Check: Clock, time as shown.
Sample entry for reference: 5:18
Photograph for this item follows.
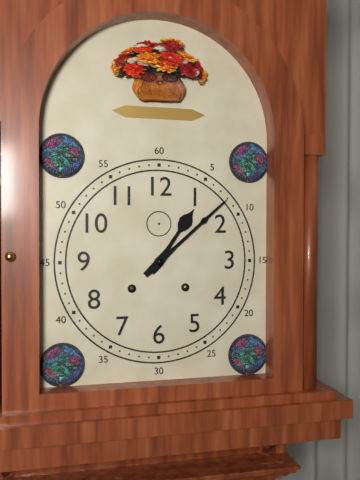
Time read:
1:08
